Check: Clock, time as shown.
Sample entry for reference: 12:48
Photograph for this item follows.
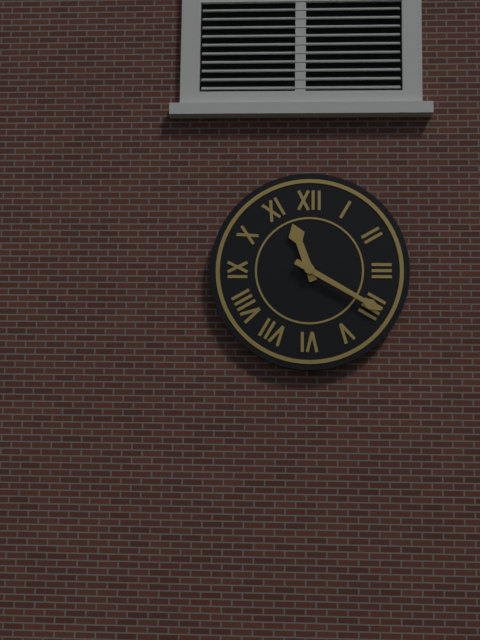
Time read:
11:20
